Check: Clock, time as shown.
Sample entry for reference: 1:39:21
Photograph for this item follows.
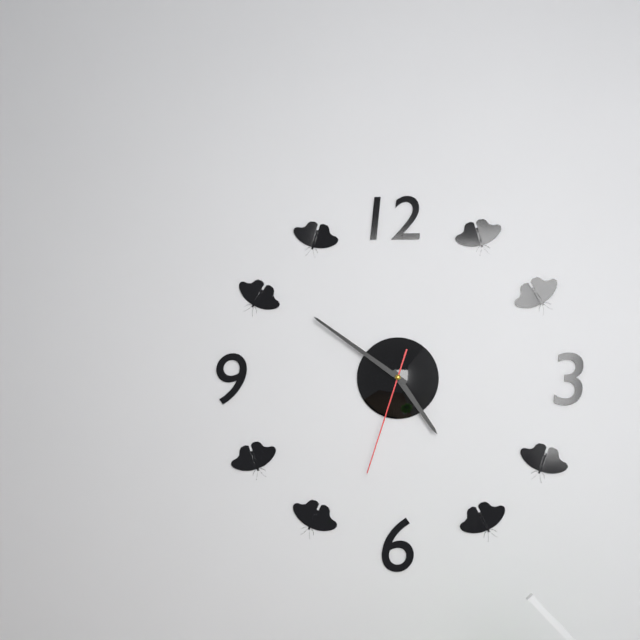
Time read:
4:51:33
